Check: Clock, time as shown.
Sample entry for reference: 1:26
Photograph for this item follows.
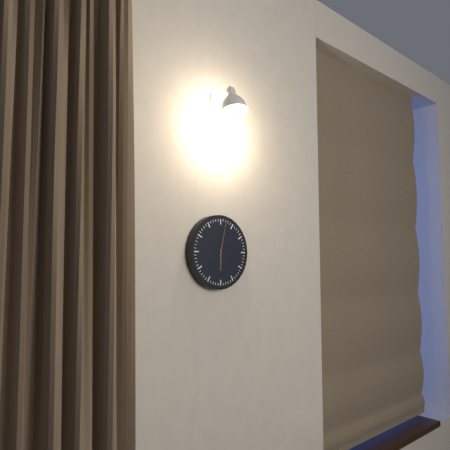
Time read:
6:02
